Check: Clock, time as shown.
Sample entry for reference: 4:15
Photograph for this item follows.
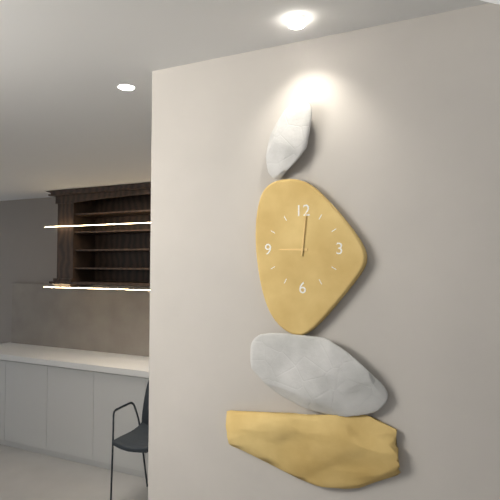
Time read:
9:01
